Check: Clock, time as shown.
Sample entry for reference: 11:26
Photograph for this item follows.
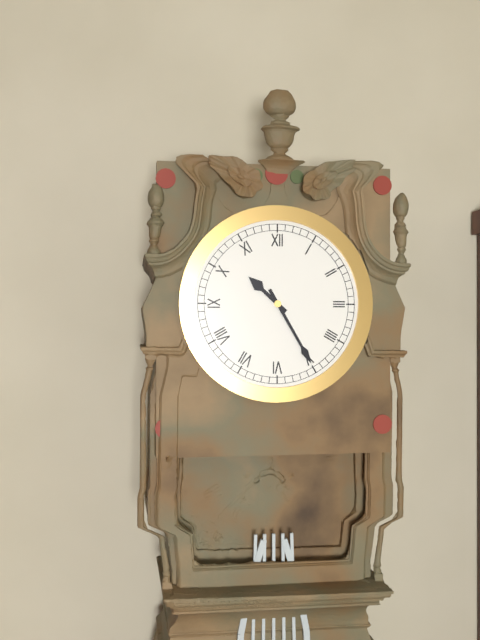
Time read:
10:25
